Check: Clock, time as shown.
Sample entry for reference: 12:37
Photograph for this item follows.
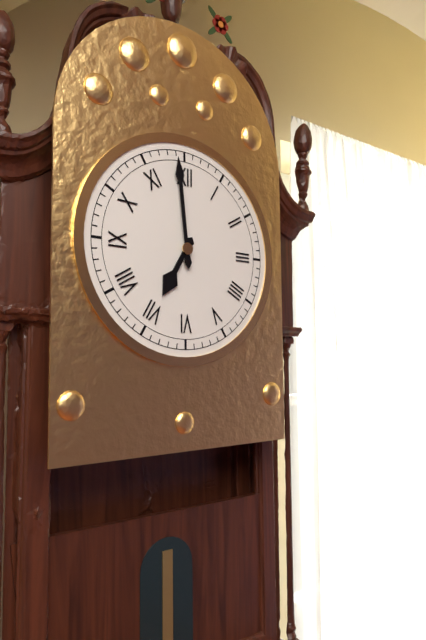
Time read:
6:59
